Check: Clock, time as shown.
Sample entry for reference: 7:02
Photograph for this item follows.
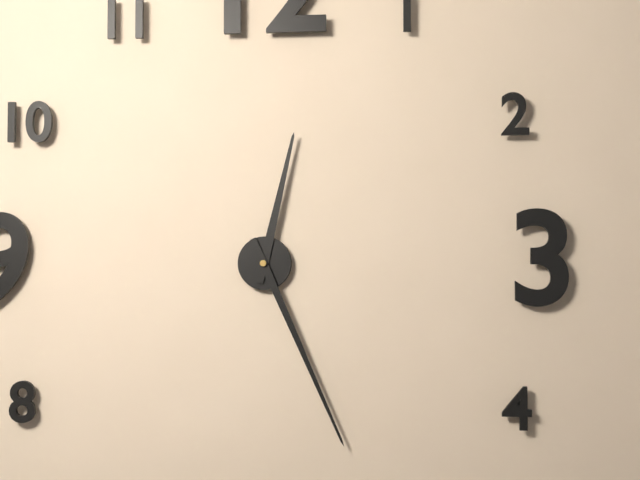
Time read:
12:26
